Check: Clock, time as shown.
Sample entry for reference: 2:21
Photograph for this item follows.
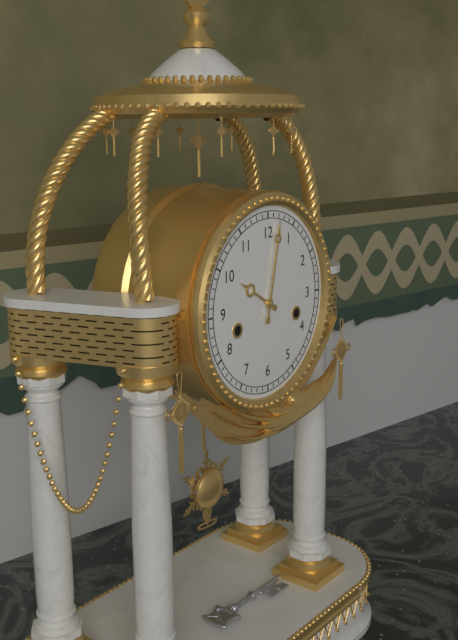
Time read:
10:02
